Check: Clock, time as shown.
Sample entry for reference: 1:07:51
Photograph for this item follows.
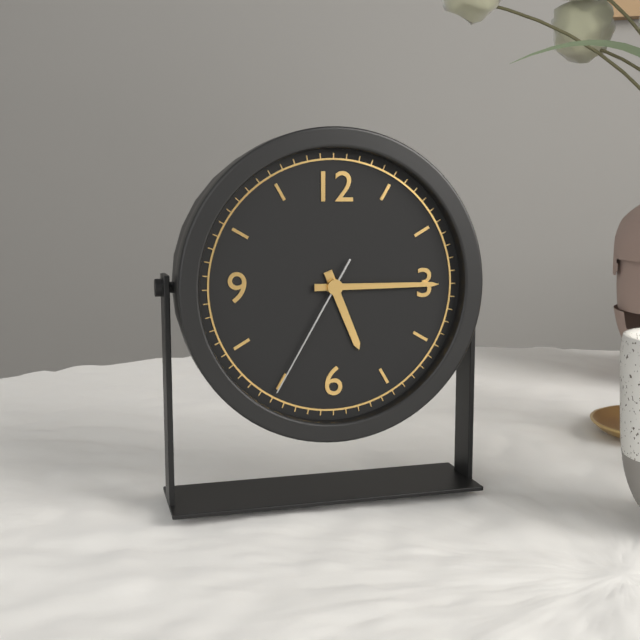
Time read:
5:15:35
